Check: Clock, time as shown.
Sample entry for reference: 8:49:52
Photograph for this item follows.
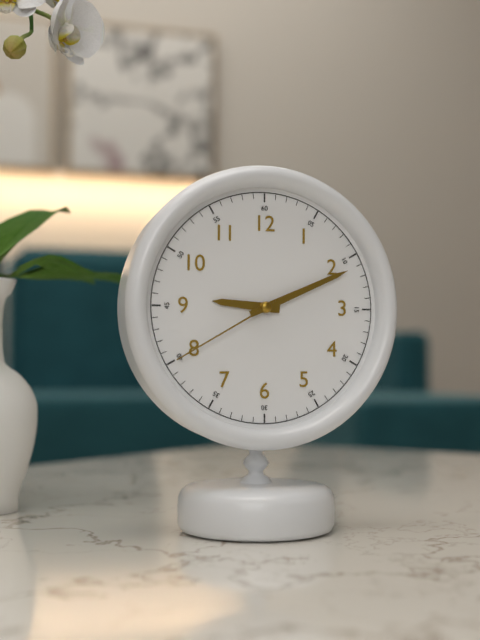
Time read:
9:11:40
